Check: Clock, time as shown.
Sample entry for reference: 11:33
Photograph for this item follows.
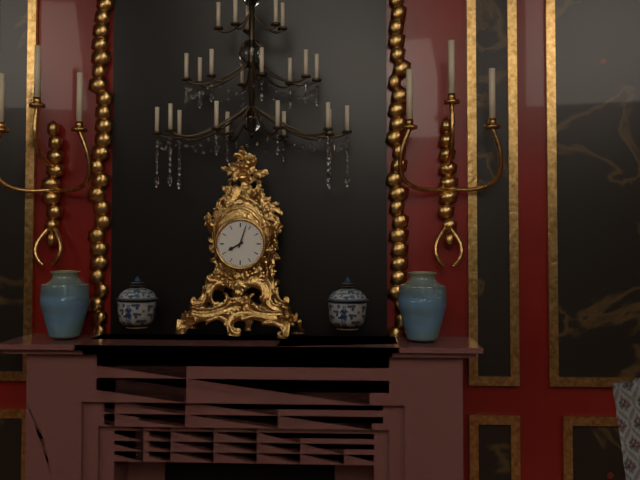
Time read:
8:03
